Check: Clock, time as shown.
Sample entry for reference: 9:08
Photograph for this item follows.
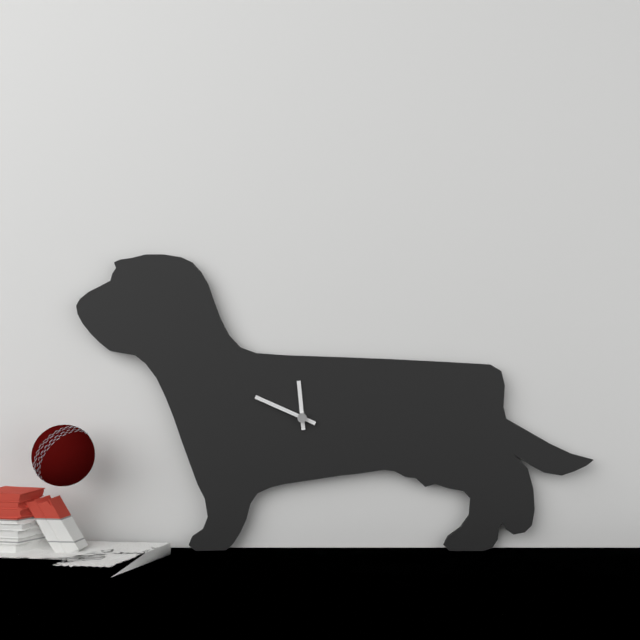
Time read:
11:49
